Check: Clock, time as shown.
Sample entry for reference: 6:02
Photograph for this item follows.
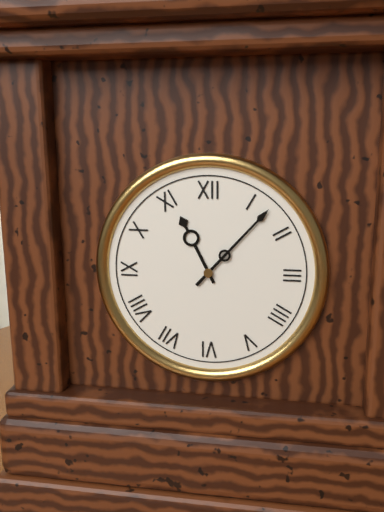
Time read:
11:07
